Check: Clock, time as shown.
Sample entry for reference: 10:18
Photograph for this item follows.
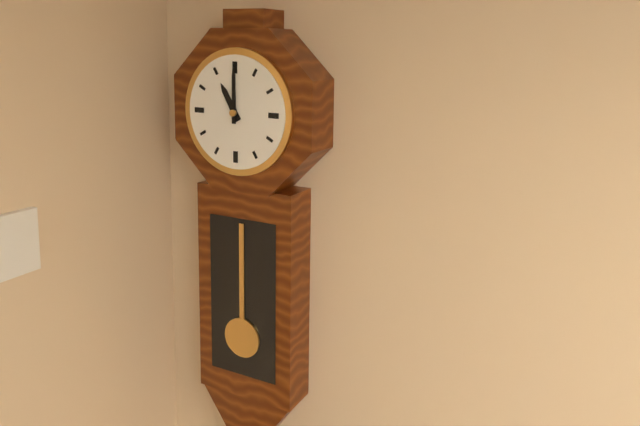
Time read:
11:00
